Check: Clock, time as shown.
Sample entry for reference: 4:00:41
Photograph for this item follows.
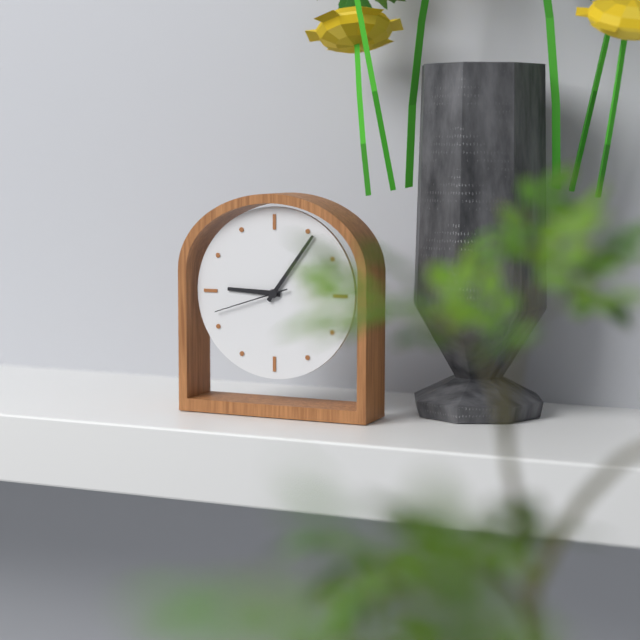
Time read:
9:06:42
